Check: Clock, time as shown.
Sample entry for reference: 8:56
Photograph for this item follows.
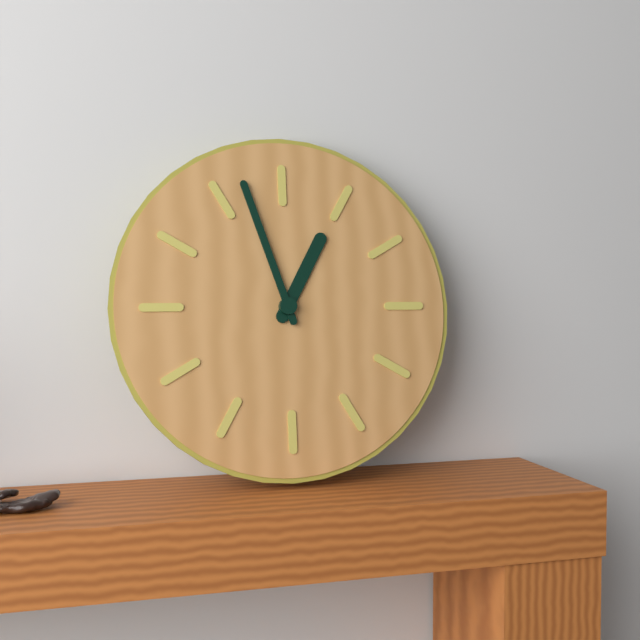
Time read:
12:57
